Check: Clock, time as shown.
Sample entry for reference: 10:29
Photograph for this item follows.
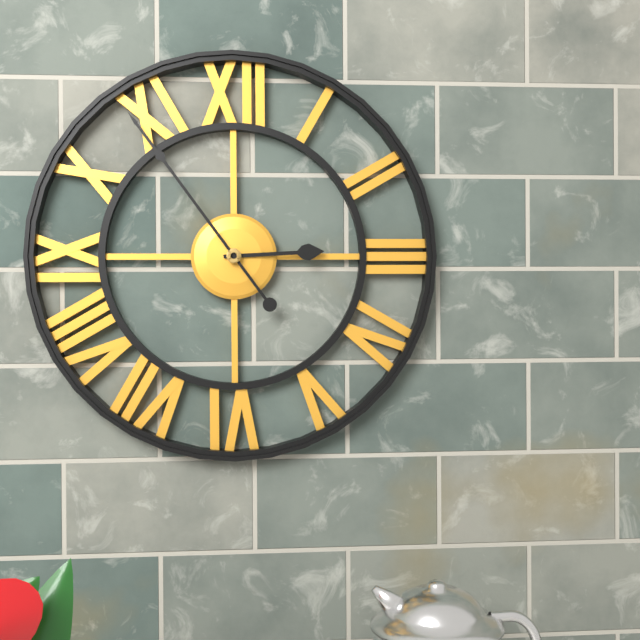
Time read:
2:54
